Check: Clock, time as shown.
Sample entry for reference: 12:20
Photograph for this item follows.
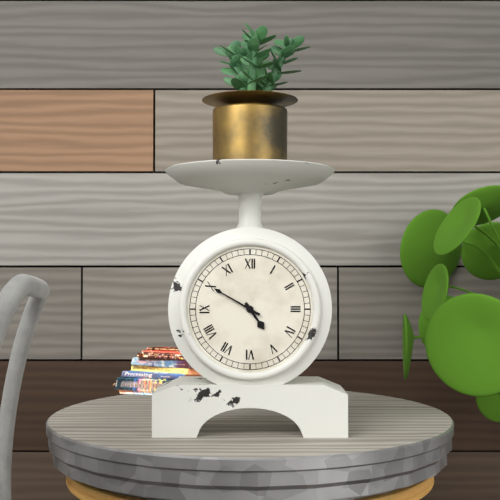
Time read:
4:50
